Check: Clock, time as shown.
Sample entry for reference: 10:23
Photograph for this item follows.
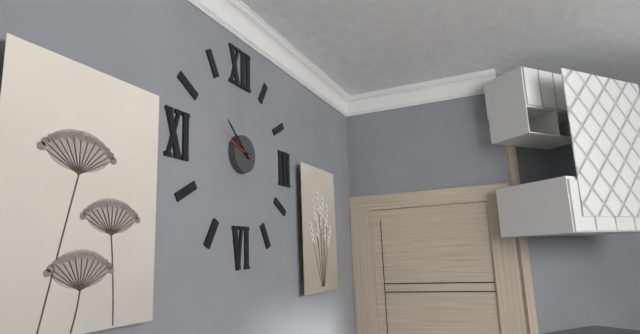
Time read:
9:52
